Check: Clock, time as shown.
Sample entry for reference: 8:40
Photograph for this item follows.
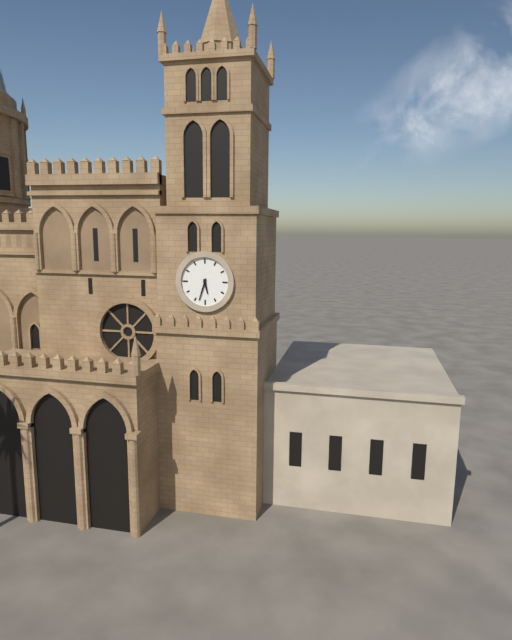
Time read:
5:33
